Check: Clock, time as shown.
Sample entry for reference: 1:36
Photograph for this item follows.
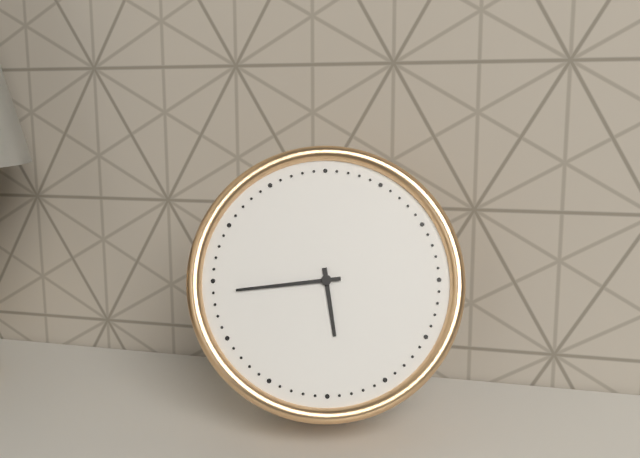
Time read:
5:44
